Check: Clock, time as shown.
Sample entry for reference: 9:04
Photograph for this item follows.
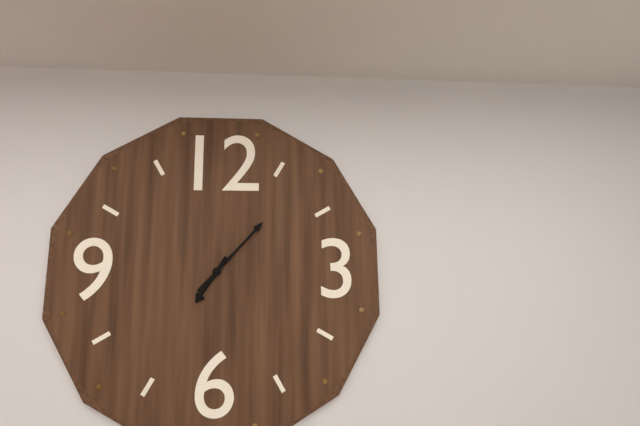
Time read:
7:07
